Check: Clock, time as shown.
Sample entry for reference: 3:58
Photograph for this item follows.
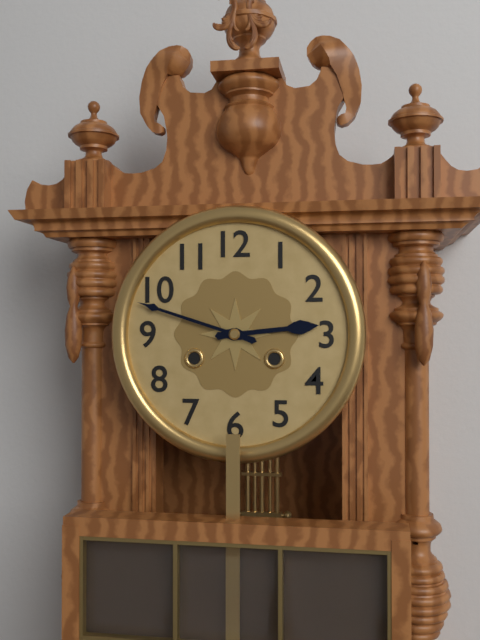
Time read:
2:48
